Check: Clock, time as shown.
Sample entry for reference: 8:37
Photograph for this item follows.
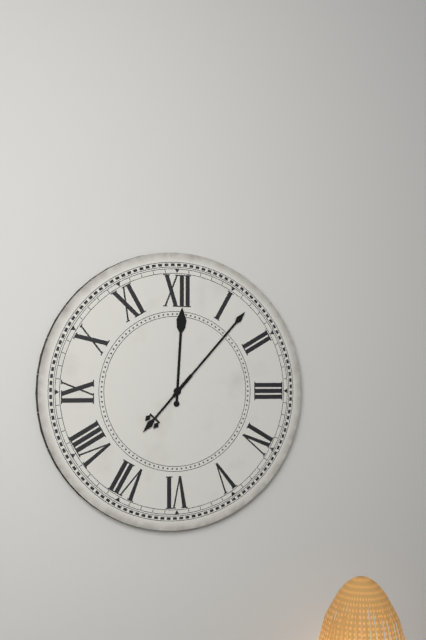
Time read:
12:07
